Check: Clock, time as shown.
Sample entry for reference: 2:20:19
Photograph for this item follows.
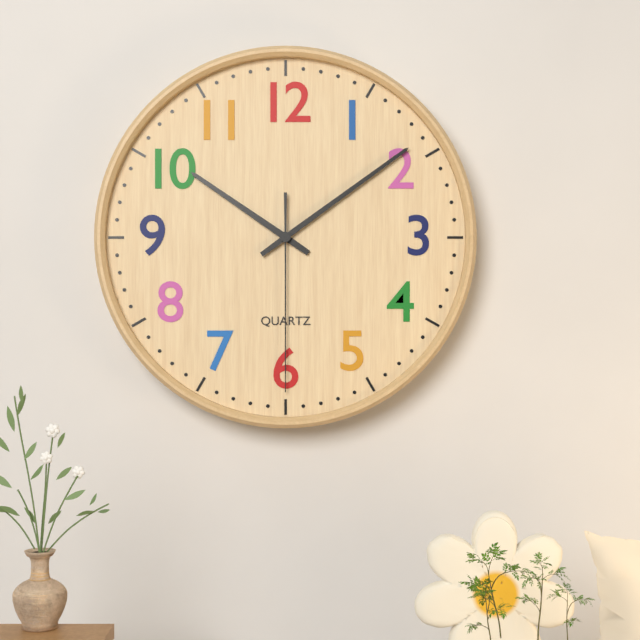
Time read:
10:09:30
